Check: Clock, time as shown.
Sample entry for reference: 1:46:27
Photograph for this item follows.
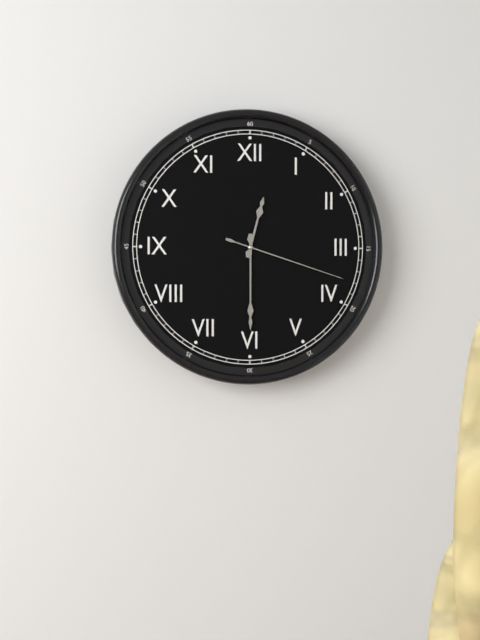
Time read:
12:30:18
